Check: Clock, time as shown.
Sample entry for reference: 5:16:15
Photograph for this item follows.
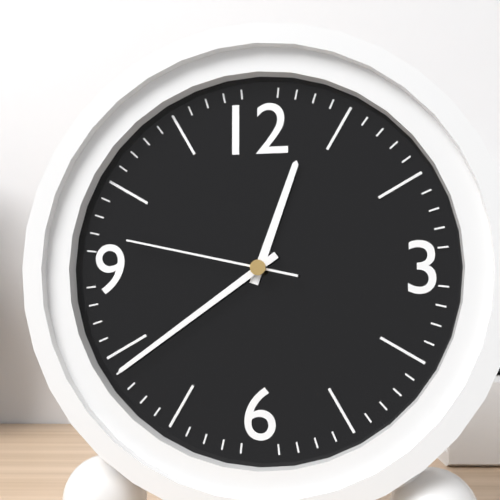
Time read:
12:39:47
